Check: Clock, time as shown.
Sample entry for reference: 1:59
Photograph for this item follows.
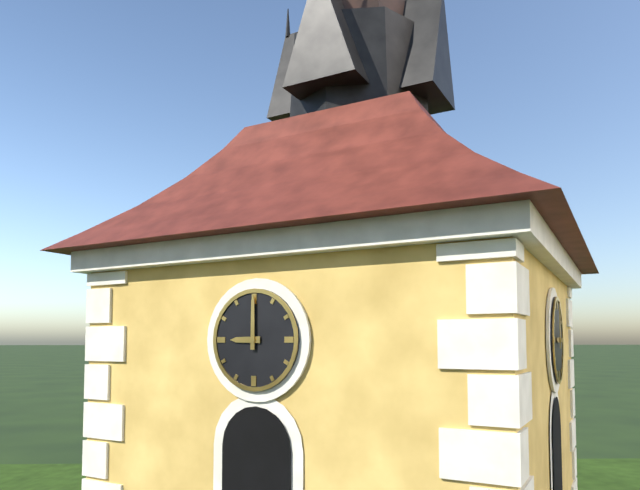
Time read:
9:00
